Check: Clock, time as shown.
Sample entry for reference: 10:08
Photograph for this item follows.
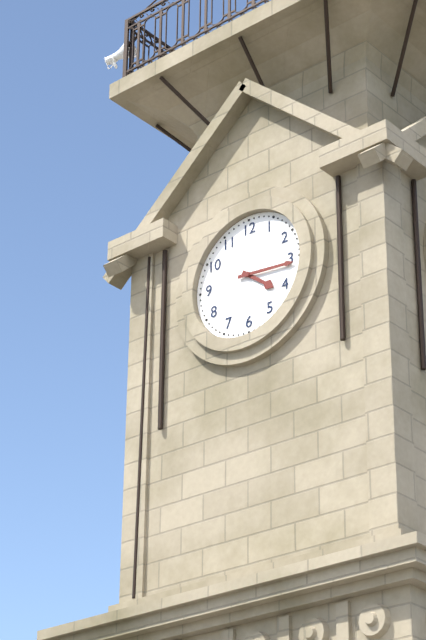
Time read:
4:16
